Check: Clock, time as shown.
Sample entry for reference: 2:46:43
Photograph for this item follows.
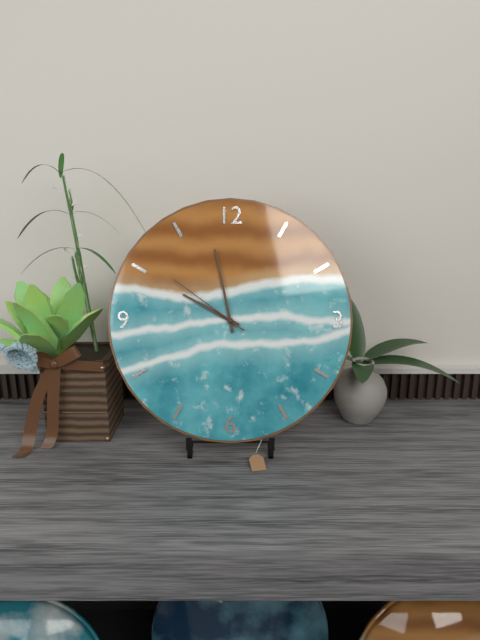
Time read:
9:58:51
